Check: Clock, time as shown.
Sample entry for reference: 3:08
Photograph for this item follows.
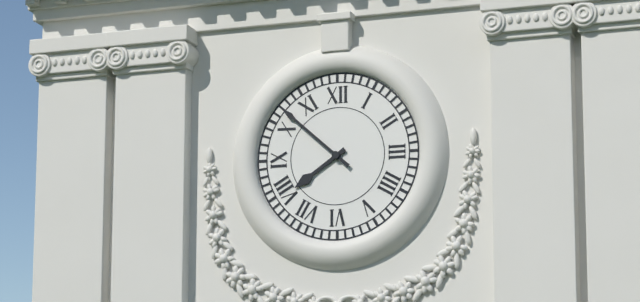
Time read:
7:52
